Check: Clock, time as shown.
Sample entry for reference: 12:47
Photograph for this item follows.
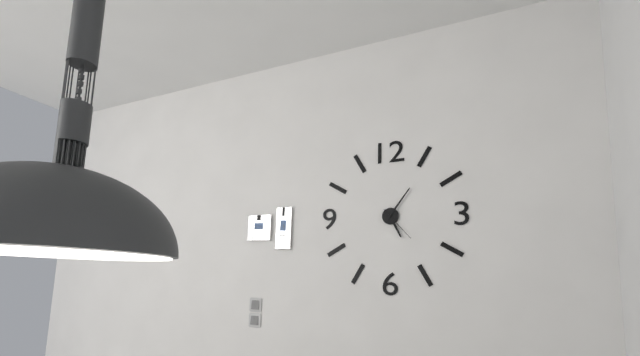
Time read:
5:06
